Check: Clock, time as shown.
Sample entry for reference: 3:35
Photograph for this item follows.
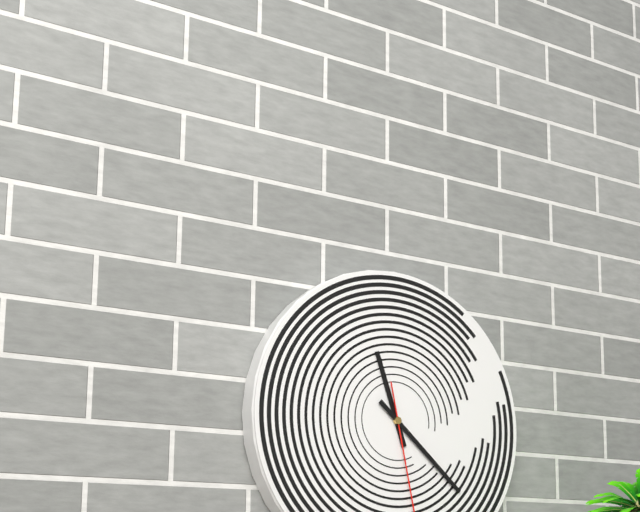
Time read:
11:22
